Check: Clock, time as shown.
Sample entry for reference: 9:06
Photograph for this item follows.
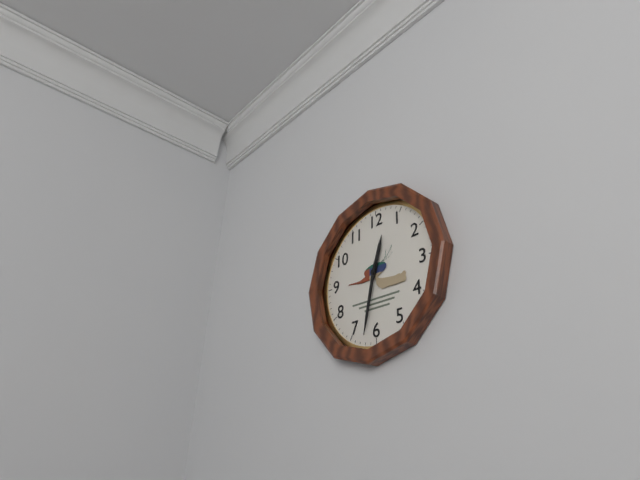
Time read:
12:32
